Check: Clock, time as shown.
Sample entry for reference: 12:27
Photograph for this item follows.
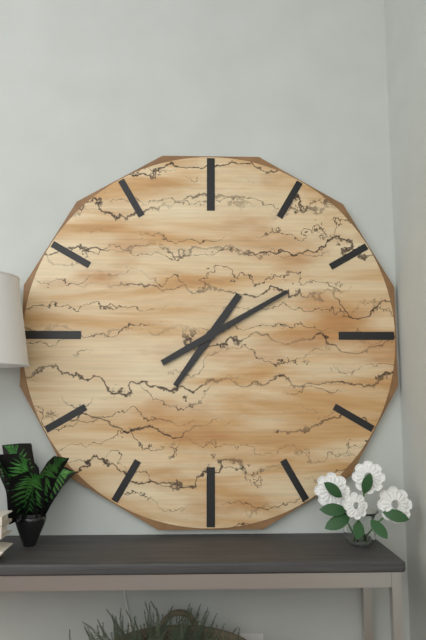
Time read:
7:10
